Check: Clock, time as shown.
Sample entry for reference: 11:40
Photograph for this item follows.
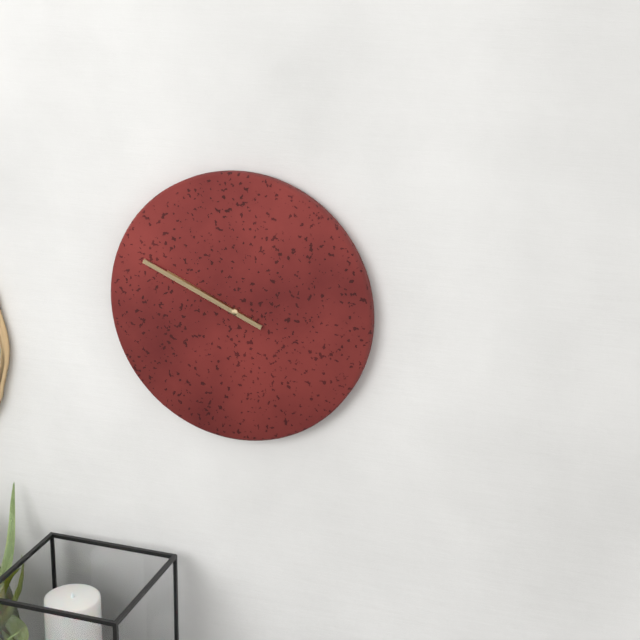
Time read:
9:49
